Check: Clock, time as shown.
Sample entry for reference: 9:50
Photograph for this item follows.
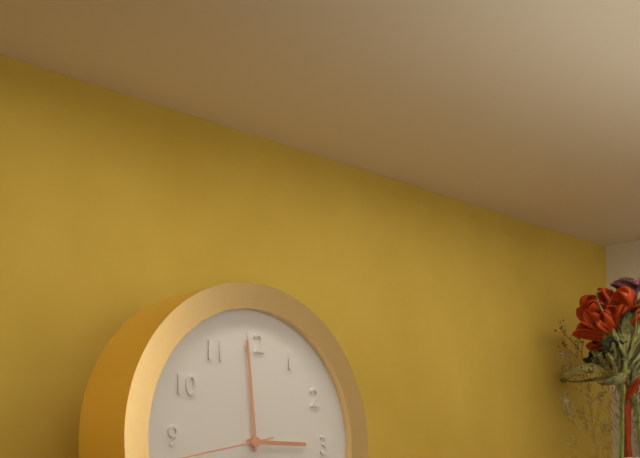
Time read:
2:59
